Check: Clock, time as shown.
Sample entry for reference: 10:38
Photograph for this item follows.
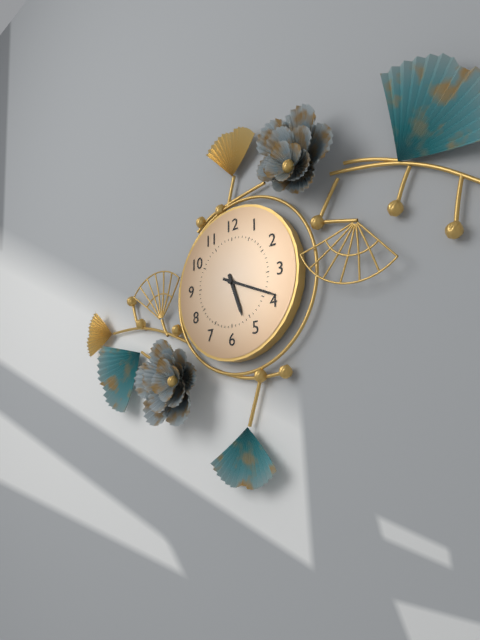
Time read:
5:19
